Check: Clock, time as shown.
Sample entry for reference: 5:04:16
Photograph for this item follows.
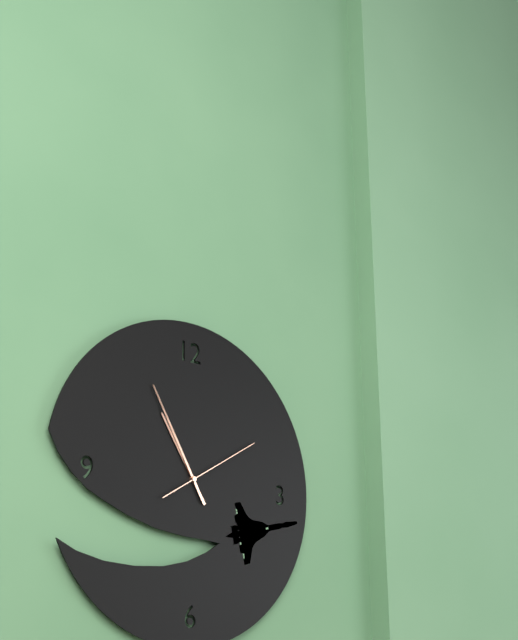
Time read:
10:55:10
